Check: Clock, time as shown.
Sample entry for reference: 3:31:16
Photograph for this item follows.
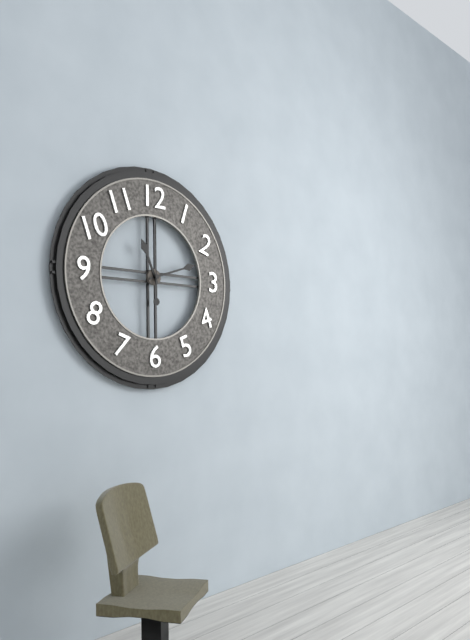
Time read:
11:12:00
